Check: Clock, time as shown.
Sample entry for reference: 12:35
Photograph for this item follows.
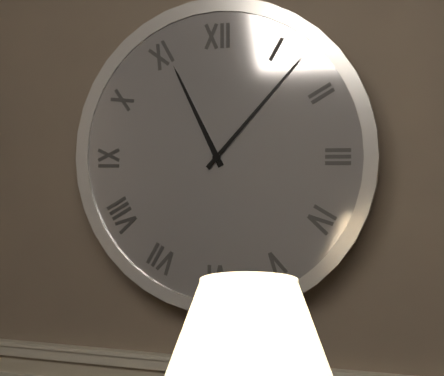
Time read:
11:07
